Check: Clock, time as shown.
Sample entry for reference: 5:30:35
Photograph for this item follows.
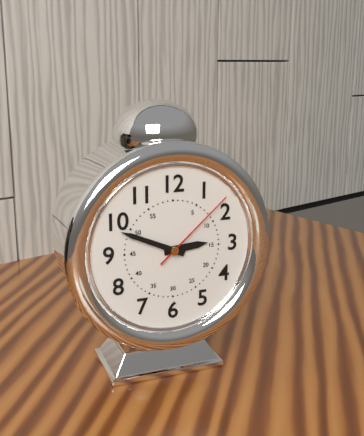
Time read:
2:49:08
